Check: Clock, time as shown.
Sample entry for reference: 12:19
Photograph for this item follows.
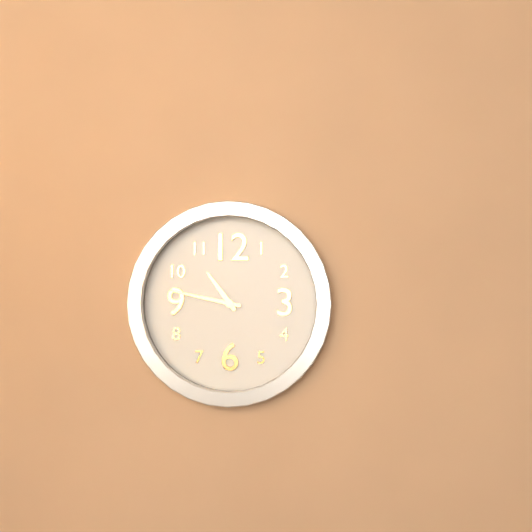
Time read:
10:47
